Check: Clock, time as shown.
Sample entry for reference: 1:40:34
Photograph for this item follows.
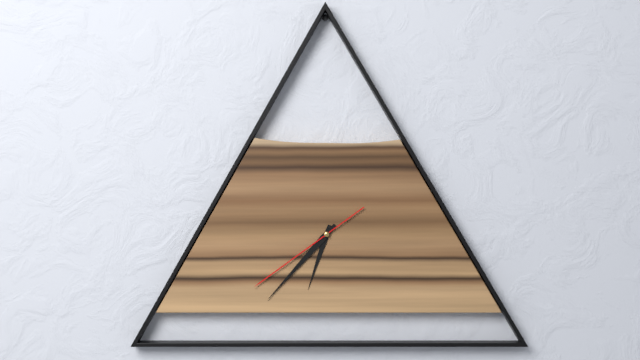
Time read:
6:37:39
